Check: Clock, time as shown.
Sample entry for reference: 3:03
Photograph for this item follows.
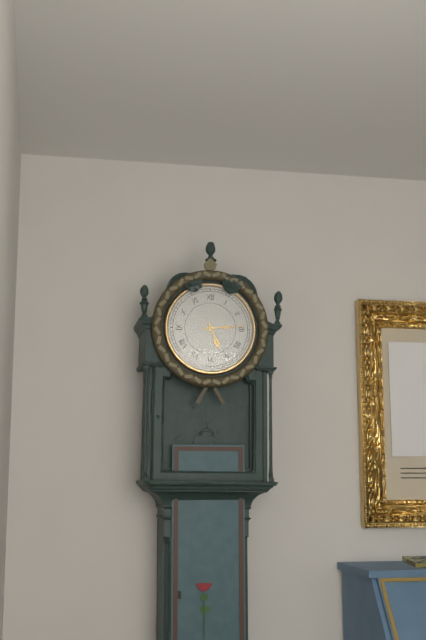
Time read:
5:14
